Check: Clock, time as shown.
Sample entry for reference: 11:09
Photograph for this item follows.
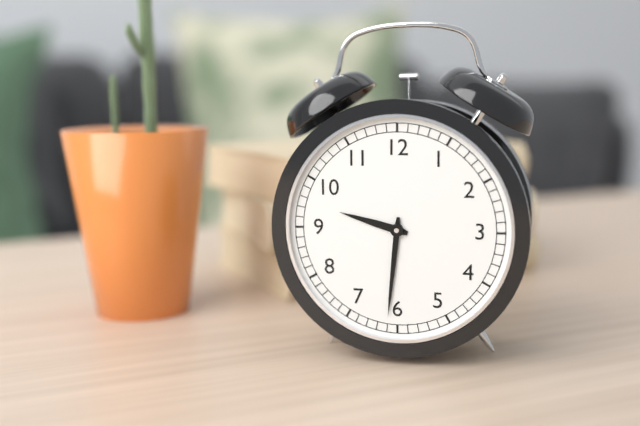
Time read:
9:31
